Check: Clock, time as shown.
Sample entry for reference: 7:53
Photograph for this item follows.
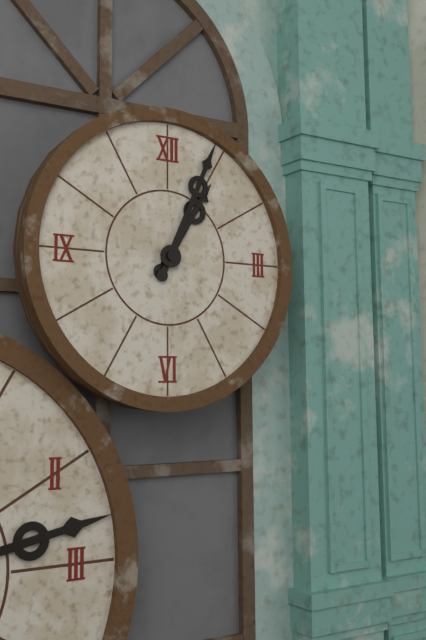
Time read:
1:04
